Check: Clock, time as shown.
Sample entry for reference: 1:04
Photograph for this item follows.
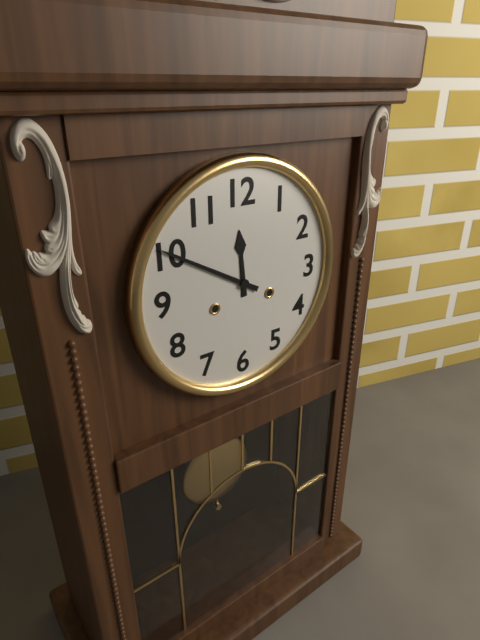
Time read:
11:50
